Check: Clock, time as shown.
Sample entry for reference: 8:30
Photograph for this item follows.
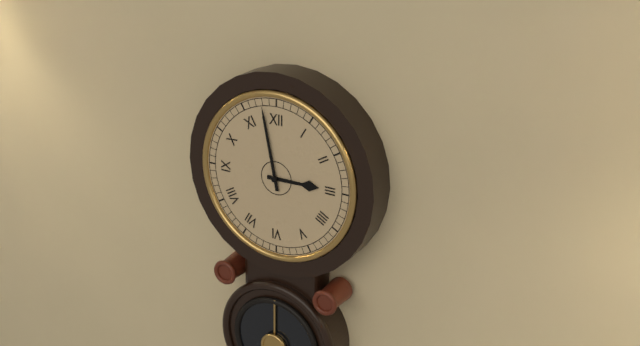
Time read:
2:58
